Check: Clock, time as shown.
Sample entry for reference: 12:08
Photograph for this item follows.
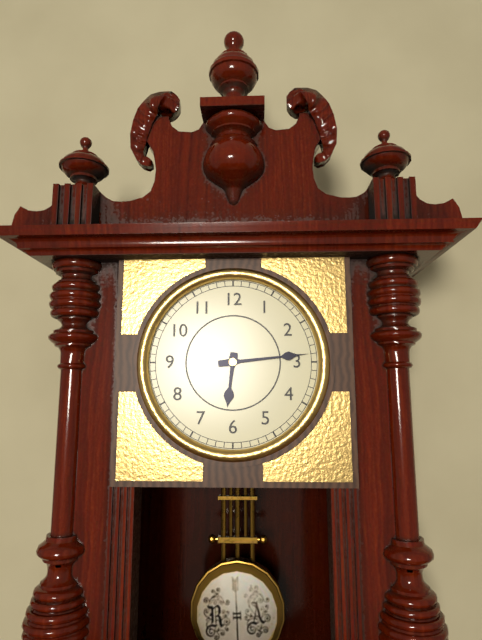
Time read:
6:14
